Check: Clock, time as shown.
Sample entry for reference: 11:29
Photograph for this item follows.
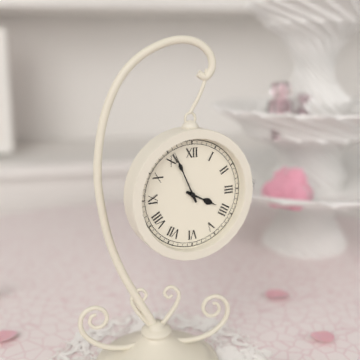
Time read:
3:56
